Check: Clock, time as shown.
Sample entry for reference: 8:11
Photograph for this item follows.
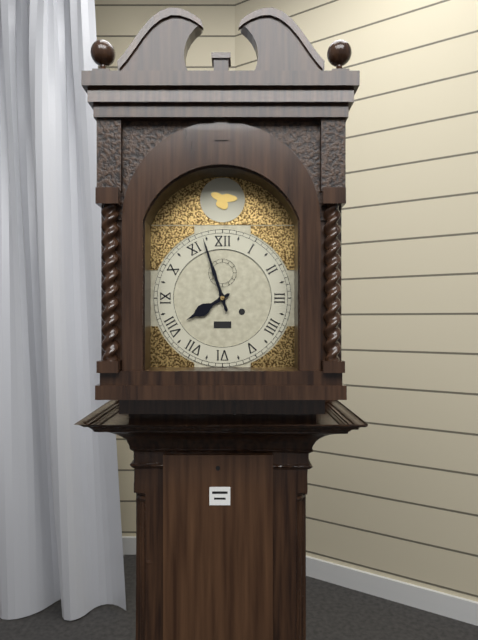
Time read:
7:57
